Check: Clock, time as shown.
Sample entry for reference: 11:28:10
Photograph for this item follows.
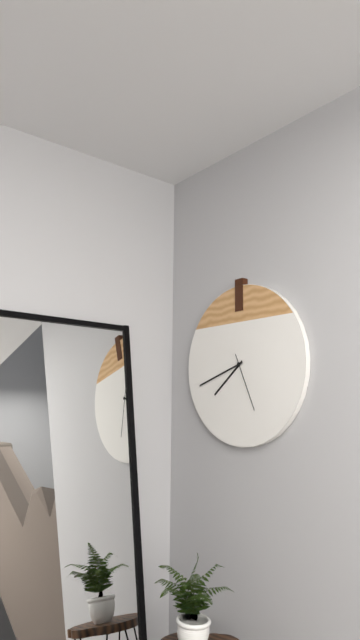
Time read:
7:42:26
